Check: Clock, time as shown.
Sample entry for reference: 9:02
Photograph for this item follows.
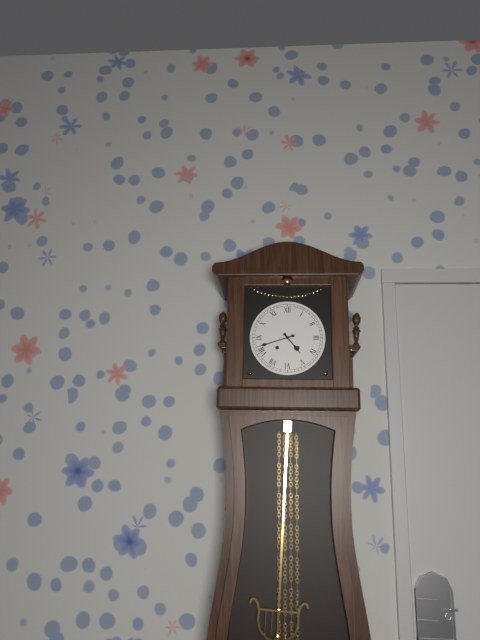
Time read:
4:42
